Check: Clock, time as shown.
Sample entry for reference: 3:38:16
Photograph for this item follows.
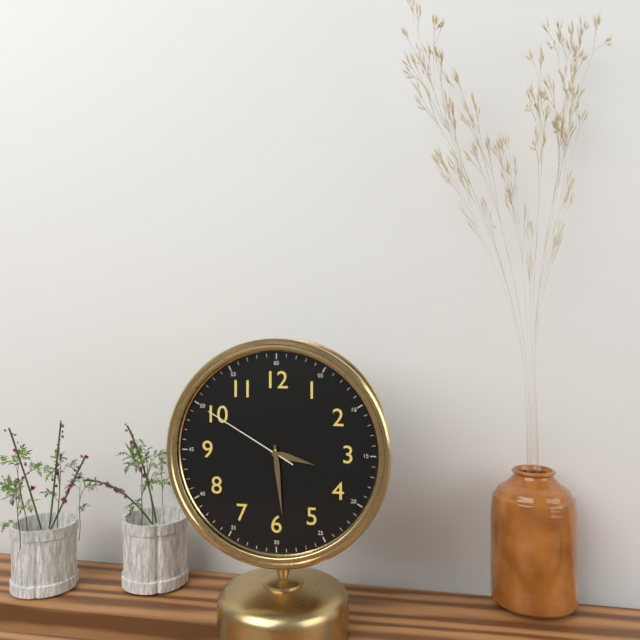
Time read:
3:29:50
